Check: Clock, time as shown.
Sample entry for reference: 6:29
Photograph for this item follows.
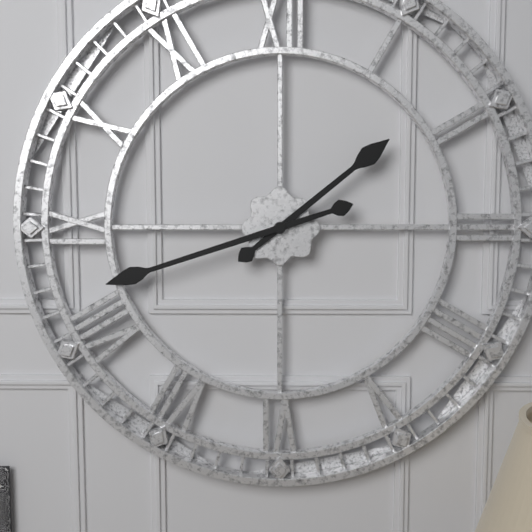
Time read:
1:42
